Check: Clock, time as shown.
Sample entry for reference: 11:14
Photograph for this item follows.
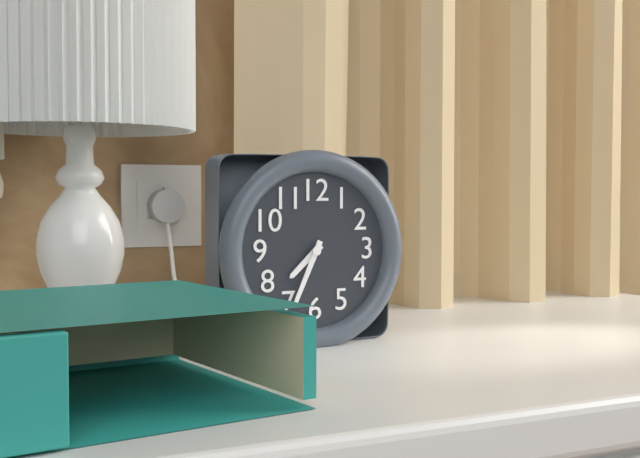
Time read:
7:34
